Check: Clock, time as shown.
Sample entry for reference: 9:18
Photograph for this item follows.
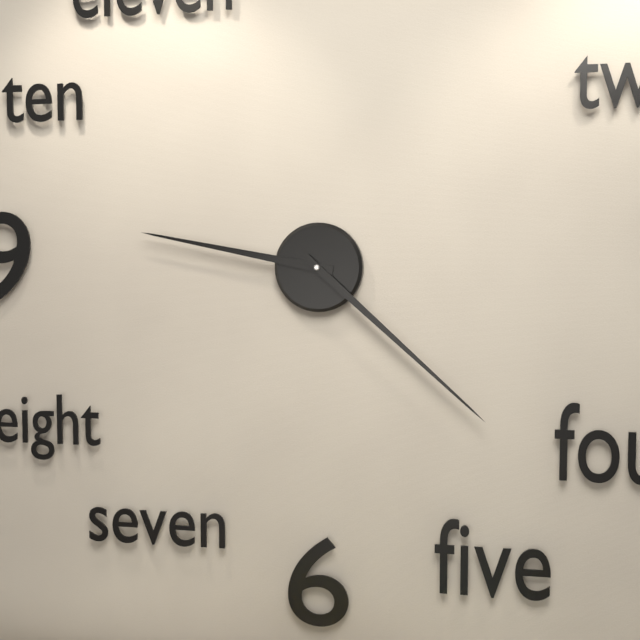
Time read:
9:22
